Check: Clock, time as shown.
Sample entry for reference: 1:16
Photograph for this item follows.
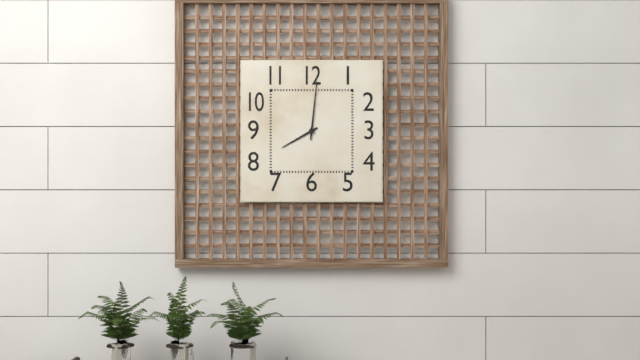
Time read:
8:01
